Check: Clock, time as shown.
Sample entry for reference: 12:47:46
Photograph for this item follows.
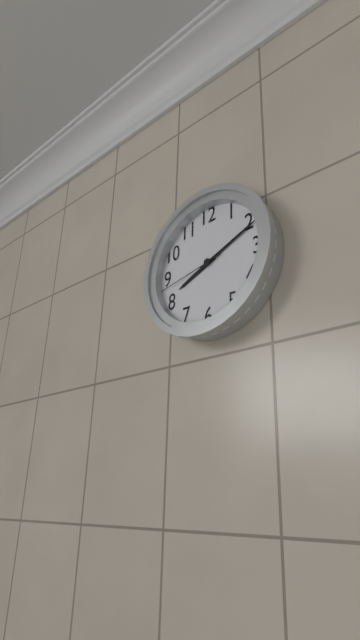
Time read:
8:11:43
